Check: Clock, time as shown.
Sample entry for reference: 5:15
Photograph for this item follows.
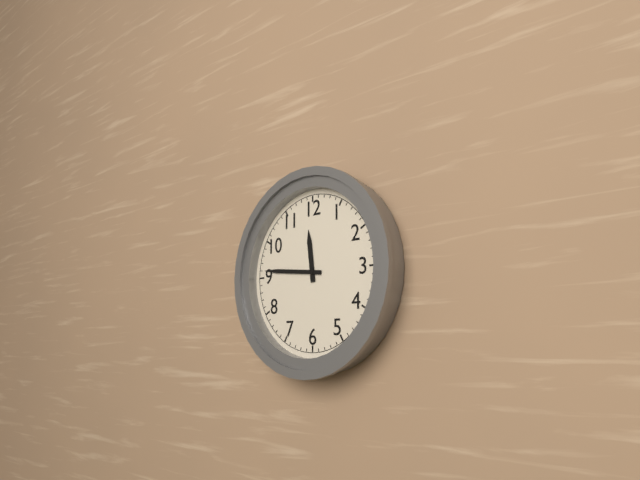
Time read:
11:46
